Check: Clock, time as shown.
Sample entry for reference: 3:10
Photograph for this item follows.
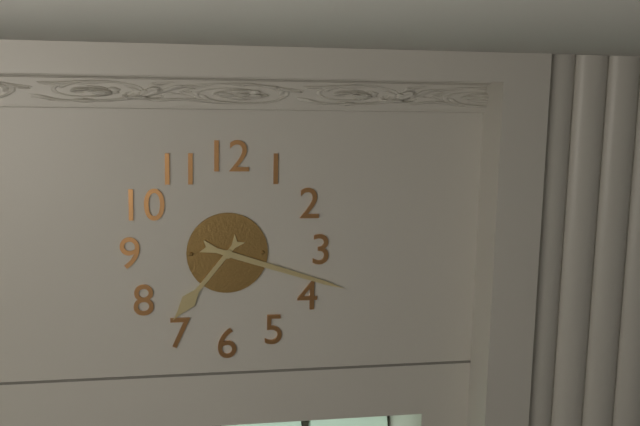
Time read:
7:18
